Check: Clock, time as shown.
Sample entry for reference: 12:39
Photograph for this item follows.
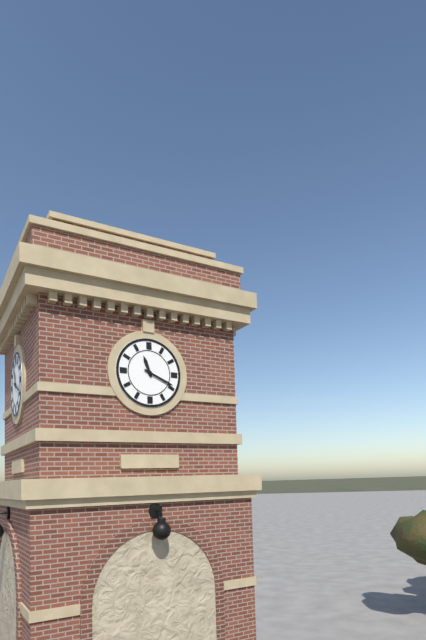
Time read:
11:19
